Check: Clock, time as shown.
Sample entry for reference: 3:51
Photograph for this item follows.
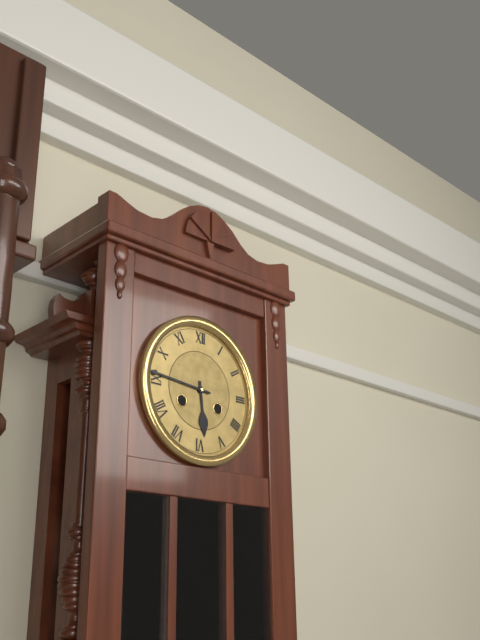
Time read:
5:46
